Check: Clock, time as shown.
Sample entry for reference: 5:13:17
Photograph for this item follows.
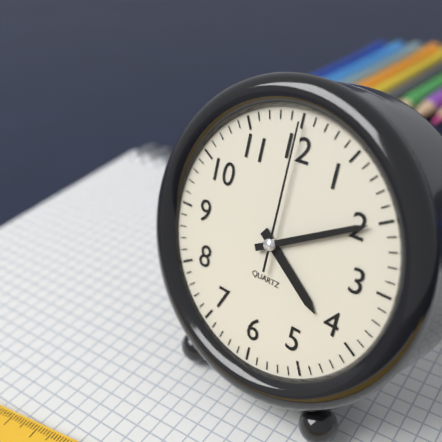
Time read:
4:10:00
